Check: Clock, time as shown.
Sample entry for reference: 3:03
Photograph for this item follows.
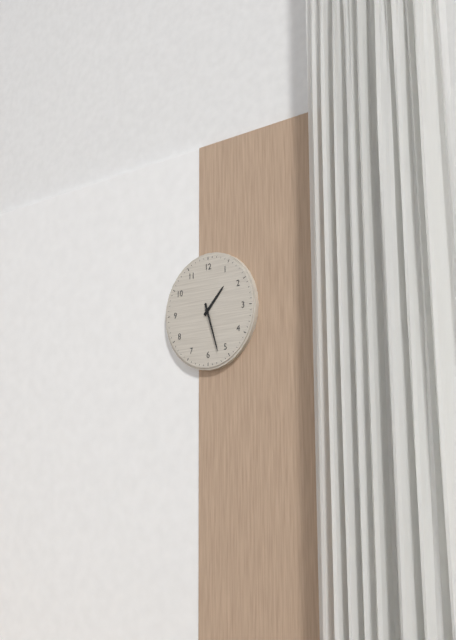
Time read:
1:27
